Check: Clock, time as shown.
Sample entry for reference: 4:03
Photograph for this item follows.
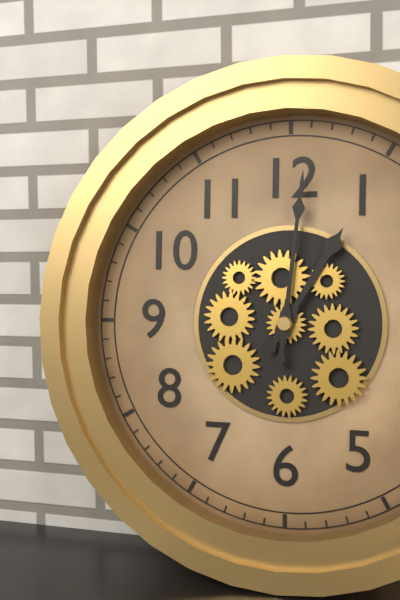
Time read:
1:01
